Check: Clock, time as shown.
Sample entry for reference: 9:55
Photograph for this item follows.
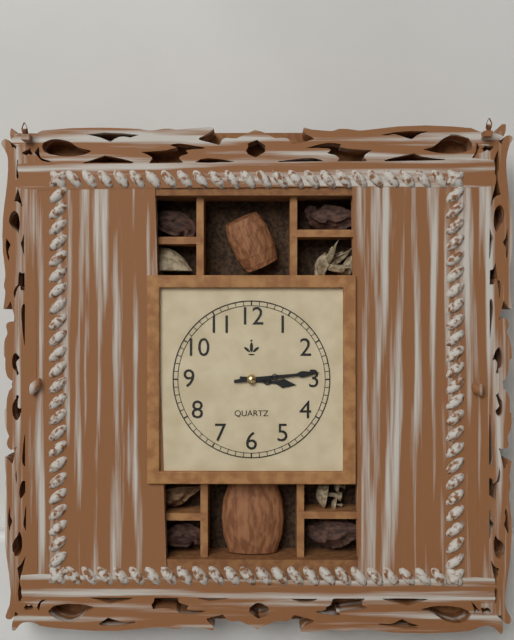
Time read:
3:14
